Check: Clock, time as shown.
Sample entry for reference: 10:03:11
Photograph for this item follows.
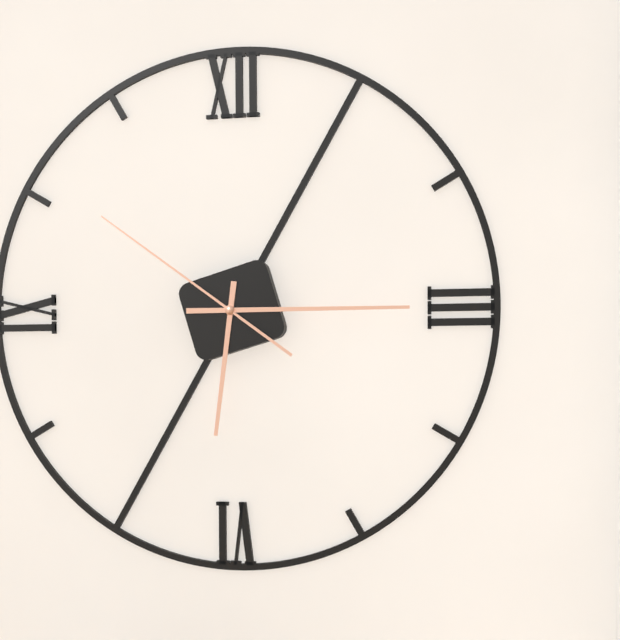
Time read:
6:15:51
